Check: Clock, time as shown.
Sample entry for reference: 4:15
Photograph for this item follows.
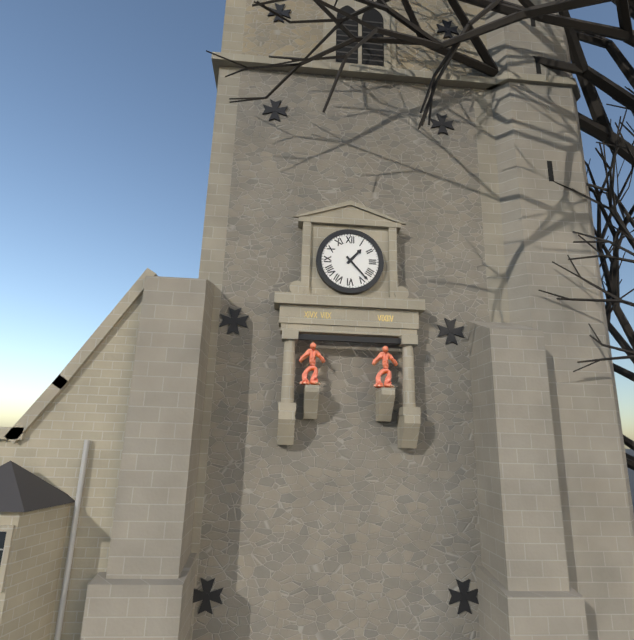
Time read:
1:23
